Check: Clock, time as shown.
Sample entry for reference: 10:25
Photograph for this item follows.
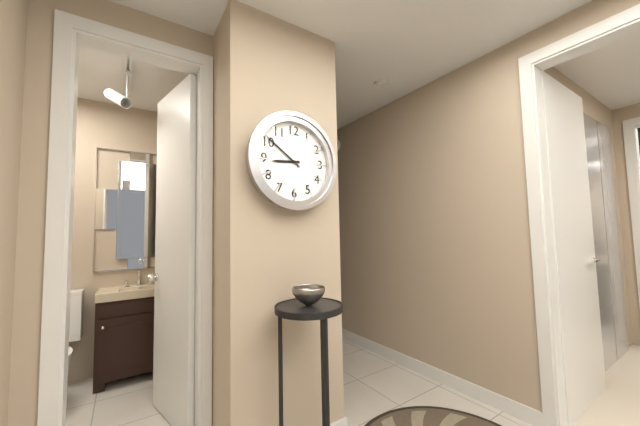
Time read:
8:51
